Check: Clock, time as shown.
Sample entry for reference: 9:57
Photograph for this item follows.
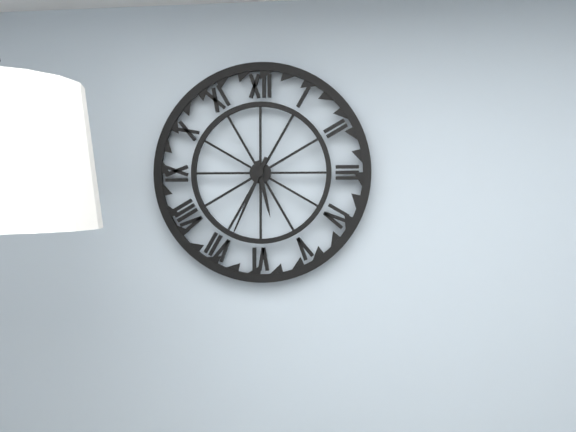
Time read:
5:34
